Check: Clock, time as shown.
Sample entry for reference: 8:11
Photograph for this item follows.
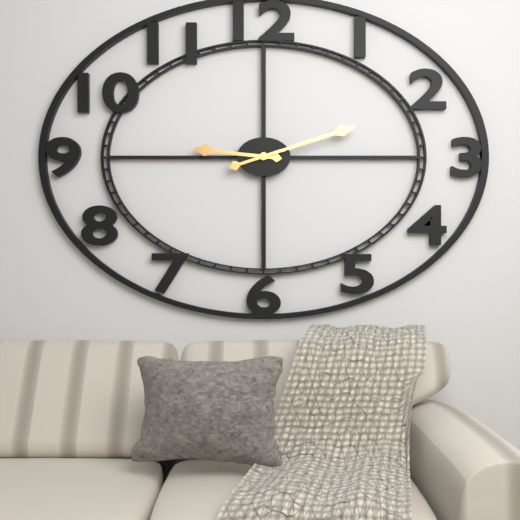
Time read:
9:12
